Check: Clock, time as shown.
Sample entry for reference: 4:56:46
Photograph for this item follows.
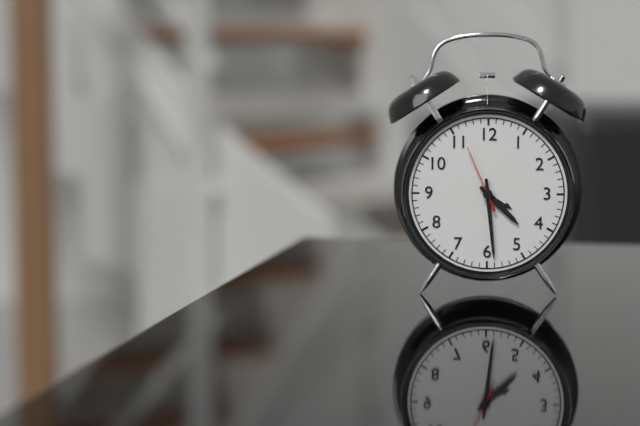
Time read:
4:29:56
